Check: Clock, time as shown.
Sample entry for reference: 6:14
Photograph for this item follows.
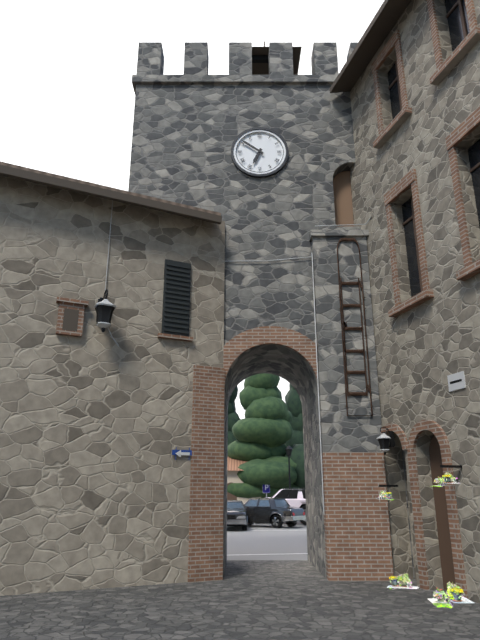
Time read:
6:51
